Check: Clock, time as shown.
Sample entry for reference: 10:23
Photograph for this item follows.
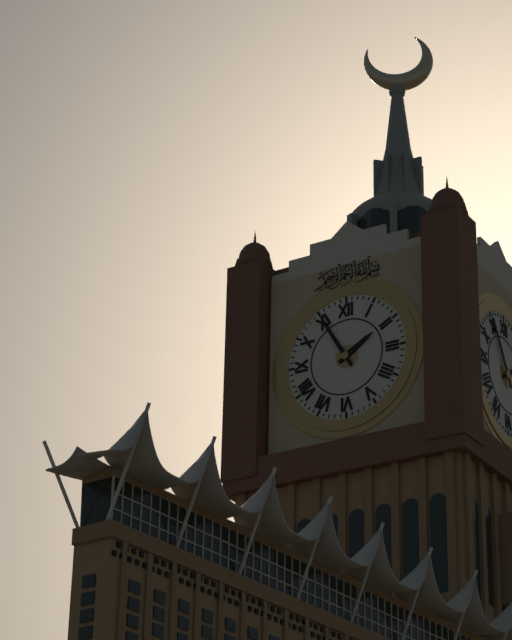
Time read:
1:55
